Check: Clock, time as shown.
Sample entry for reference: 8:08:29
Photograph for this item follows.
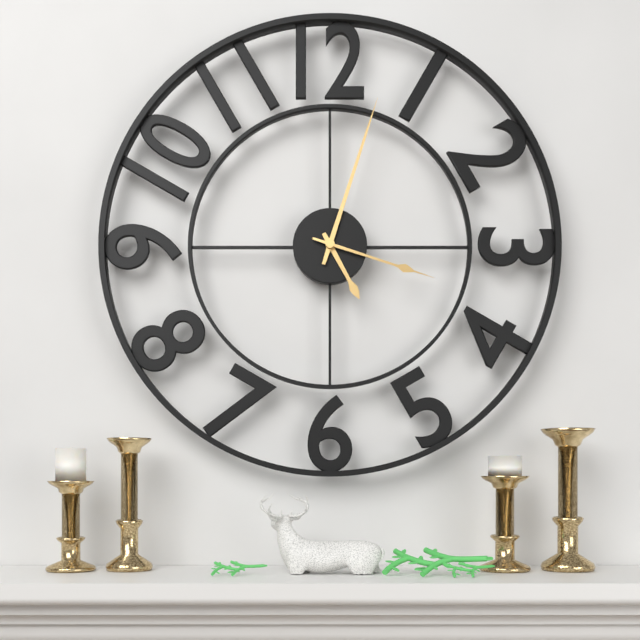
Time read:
5:03:18
